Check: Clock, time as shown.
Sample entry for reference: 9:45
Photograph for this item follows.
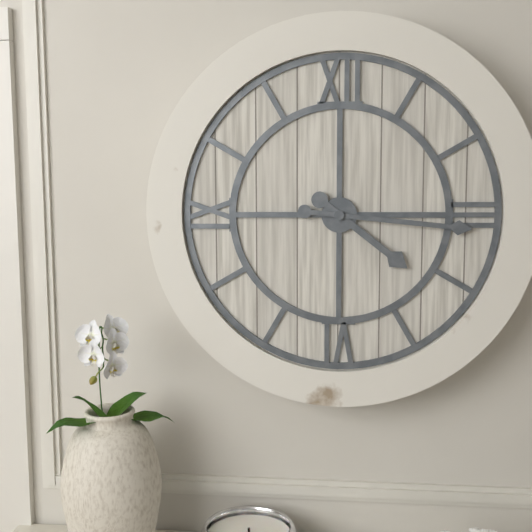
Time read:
4:16
